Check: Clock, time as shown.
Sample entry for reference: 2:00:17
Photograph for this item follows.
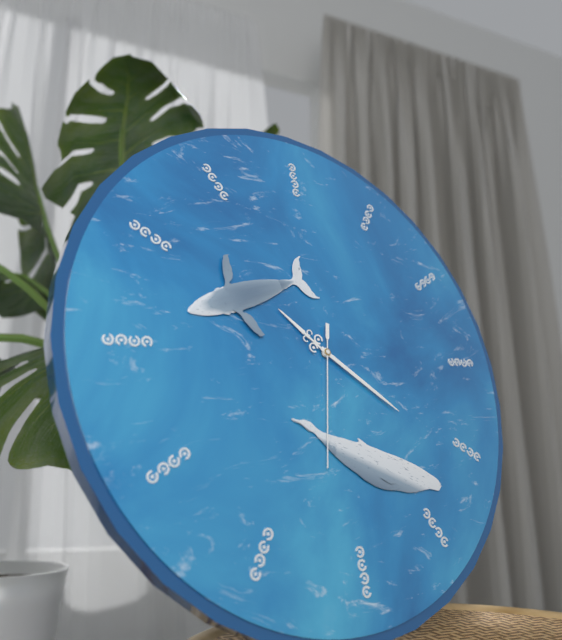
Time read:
10:21:32
